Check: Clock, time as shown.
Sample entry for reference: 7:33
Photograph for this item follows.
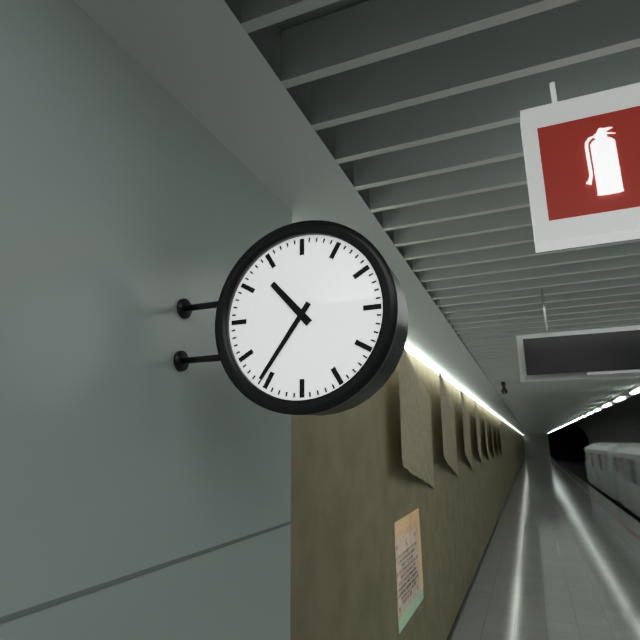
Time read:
10:36
